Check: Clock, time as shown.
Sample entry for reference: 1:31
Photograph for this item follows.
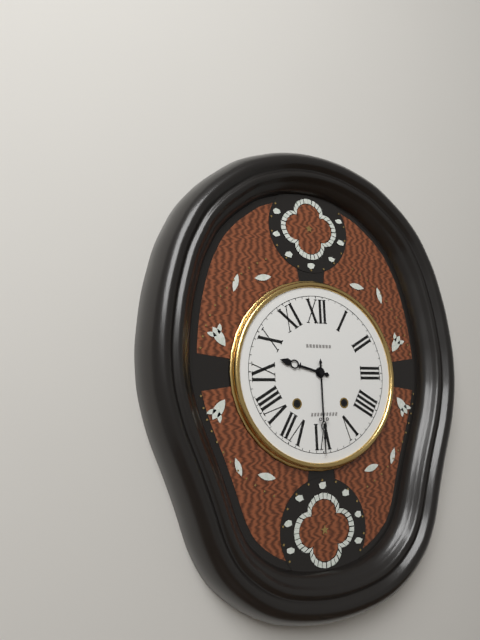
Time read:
9:30
